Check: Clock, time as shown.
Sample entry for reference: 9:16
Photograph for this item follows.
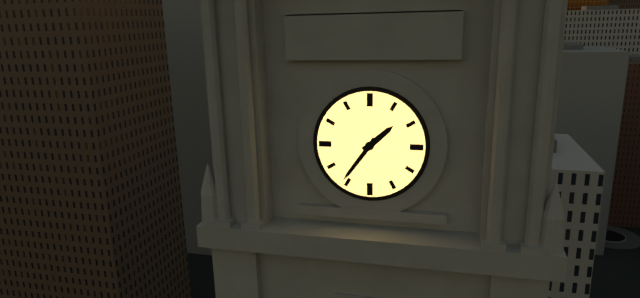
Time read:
1:36
